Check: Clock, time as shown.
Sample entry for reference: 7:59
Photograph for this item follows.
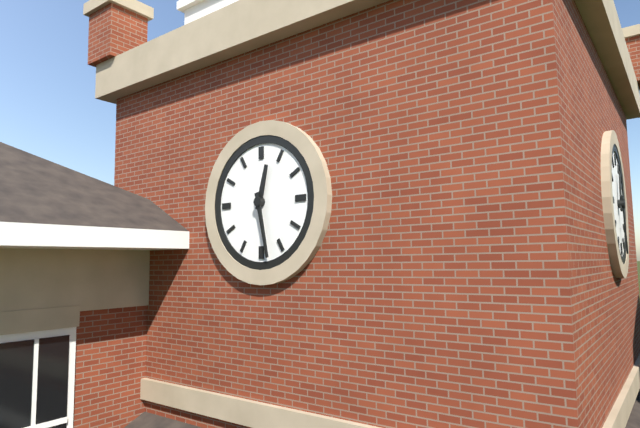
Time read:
12:28
